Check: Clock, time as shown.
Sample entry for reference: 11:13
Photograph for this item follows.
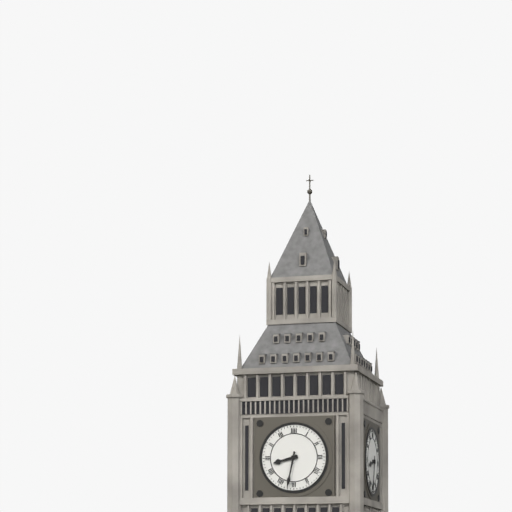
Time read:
8:32
